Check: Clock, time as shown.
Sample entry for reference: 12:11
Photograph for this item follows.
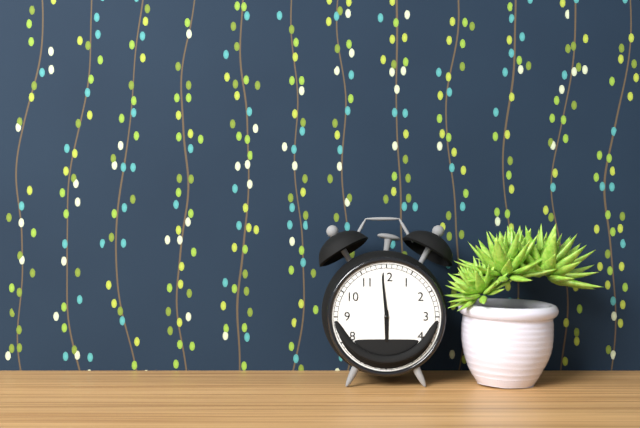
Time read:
5:59
